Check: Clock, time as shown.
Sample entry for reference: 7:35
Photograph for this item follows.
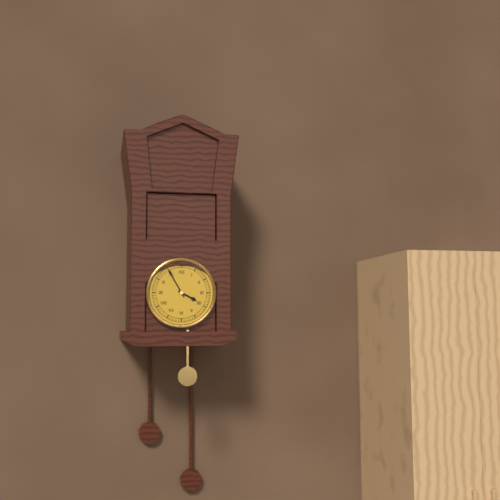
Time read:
3:55
